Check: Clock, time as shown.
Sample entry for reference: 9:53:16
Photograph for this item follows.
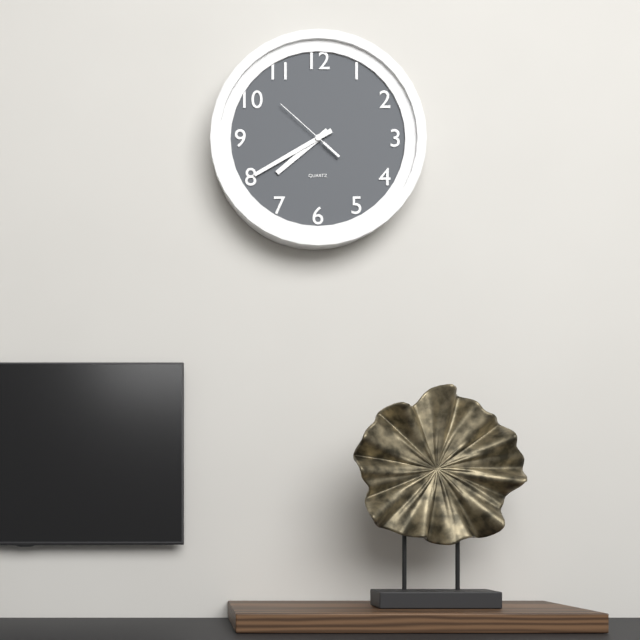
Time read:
7:40:52
